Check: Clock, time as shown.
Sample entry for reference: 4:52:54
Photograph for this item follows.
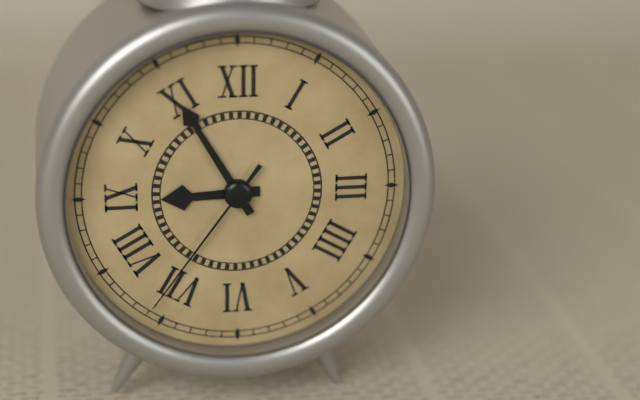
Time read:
8:55:36
